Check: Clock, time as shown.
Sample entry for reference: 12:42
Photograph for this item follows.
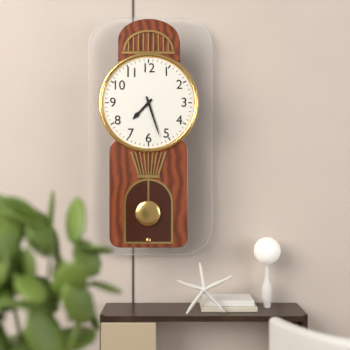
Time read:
7:27
